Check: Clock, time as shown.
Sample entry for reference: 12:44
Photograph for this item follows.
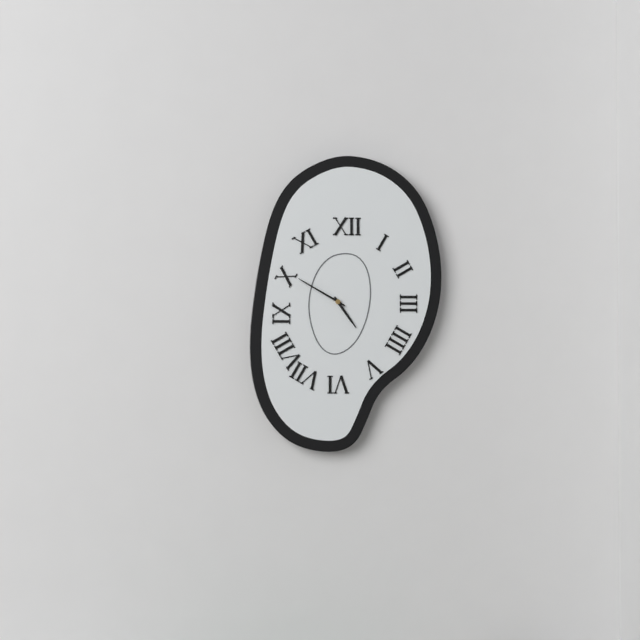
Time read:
4:50
